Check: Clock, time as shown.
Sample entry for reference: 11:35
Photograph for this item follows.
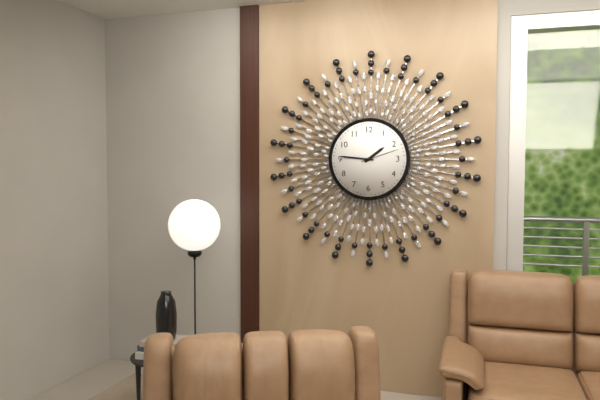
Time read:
1:46
